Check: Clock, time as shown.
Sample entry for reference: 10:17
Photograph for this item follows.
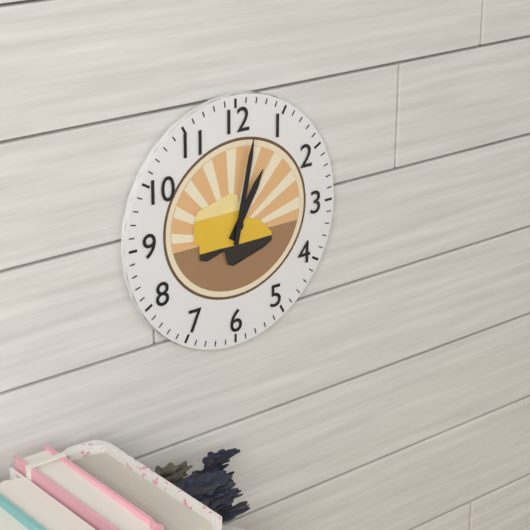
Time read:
1:02
